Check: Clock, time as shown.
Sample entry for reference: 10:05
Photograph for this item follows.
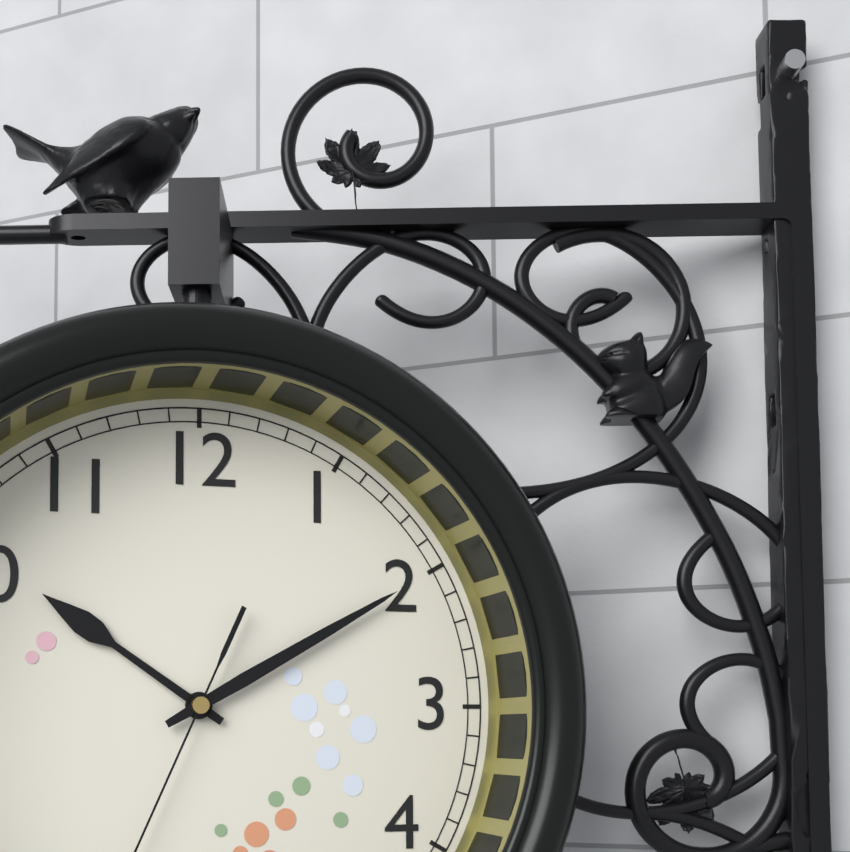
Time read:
10:10
